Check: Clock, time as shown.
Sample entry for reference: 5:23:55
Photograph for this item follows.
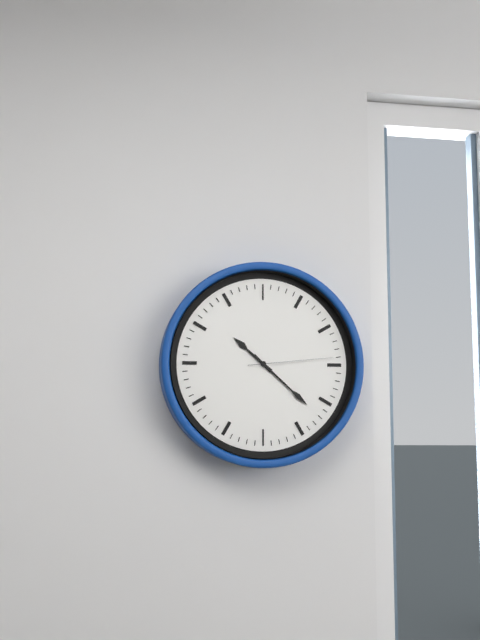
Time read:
10:22:14
